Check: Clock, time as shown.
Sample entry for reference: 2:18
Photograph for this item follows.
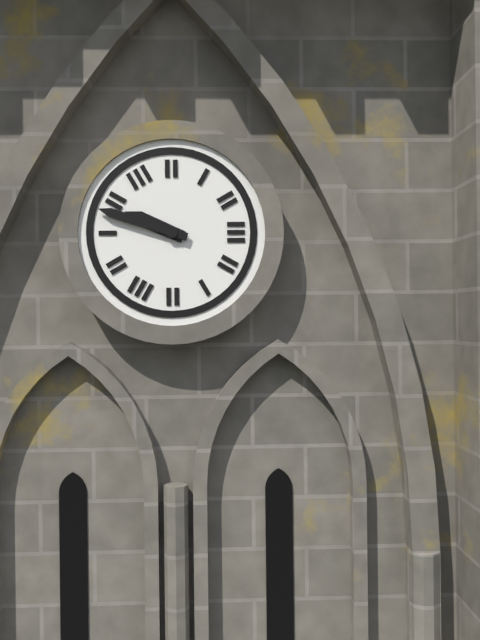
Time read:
9:48
